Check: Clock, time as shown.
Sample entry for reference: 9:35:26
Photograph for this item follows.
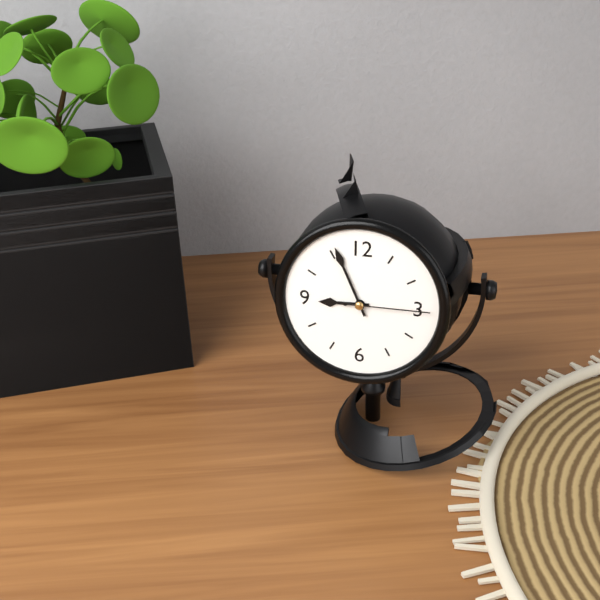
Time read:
8:56:15
